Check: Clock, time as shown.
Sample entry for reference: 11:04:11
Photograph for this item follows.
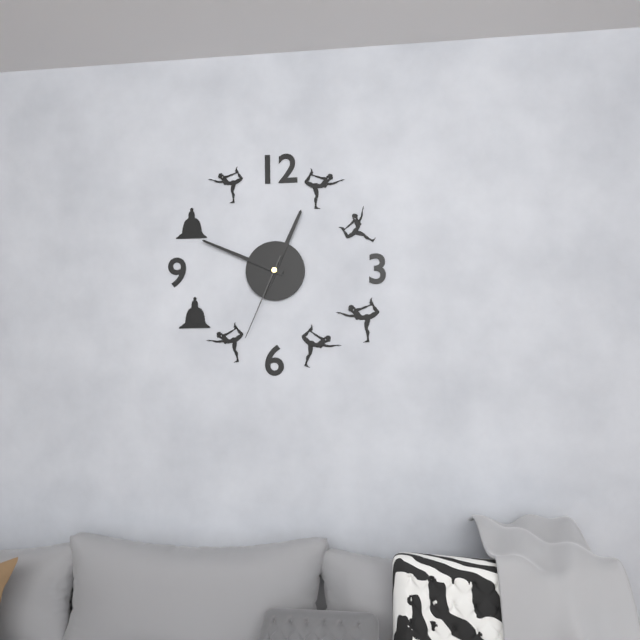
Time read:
12:49:34
